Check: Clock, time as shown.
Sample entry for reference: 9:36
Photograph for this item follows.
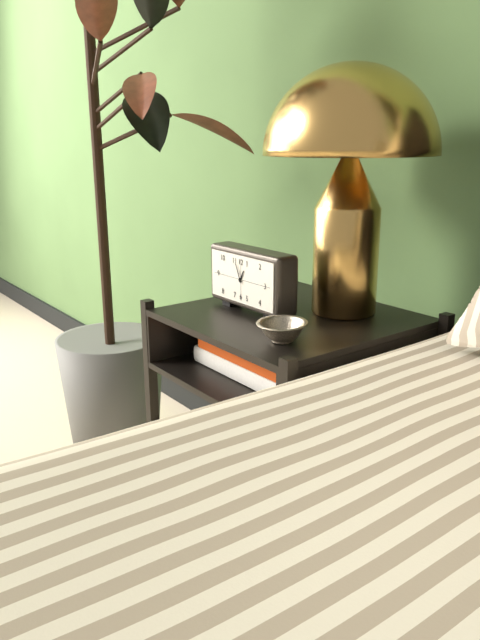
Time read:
12:56
